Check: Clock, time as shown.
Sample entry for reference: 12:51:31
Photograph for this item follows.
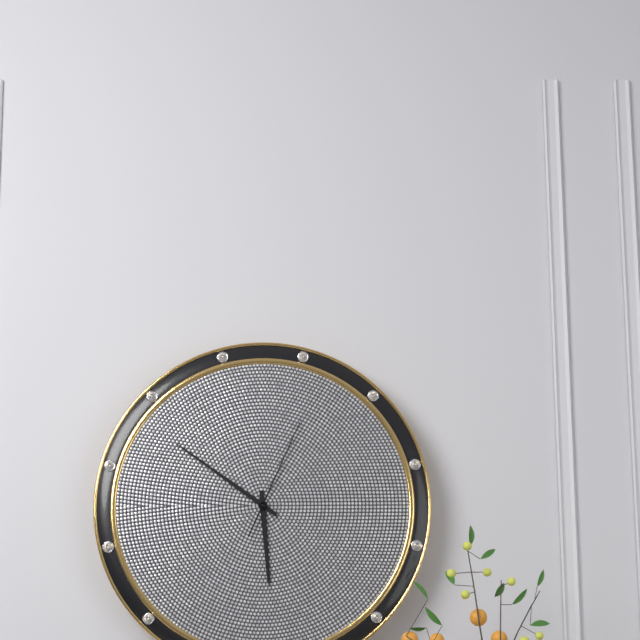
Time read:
5:51:04
